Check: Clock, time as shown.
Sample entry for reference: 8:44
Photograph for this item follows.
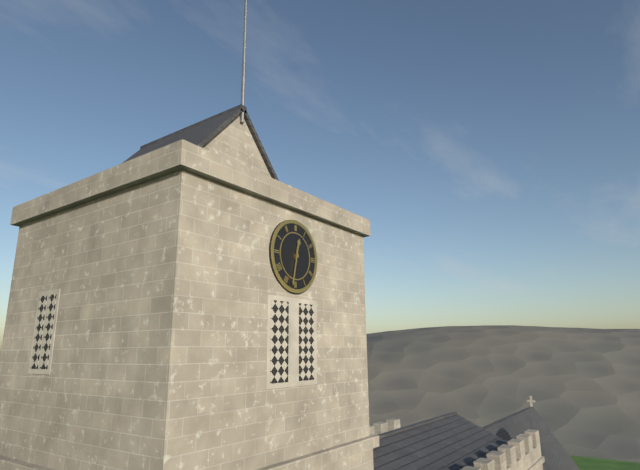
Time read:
12:32
